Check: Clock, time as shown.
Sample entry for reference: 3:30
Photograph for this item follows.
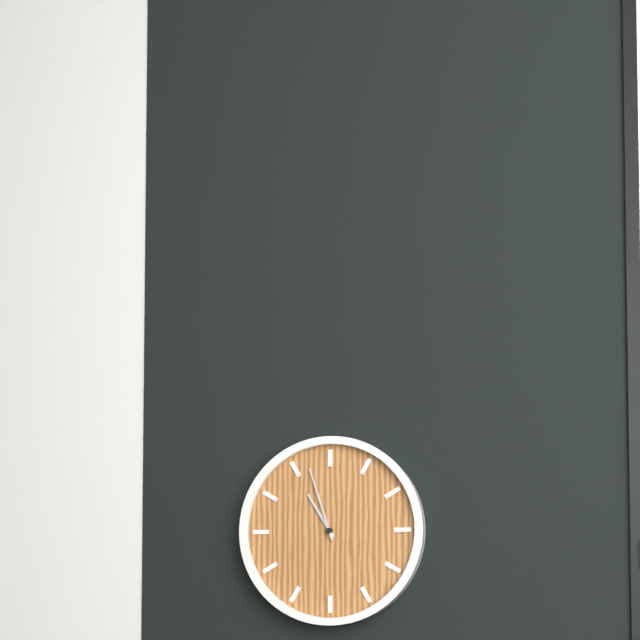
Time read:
10:57
